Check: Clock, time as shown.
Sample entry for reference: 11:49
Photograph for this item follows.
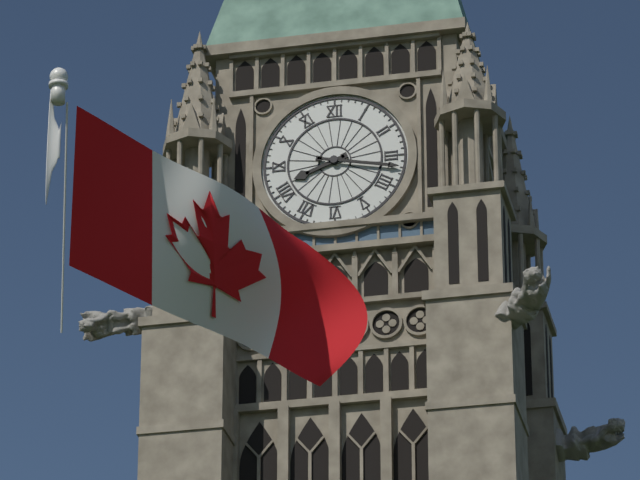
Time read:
8:17
